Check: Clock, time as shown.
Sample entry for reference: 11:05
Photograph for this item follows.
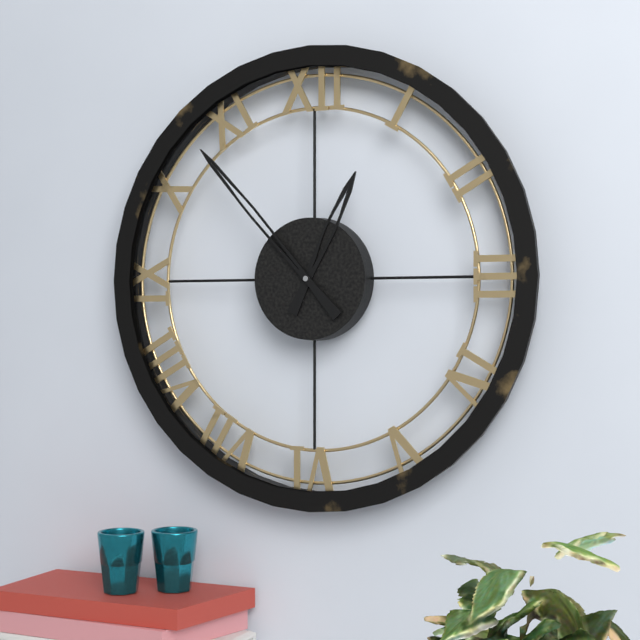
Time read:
12:53
